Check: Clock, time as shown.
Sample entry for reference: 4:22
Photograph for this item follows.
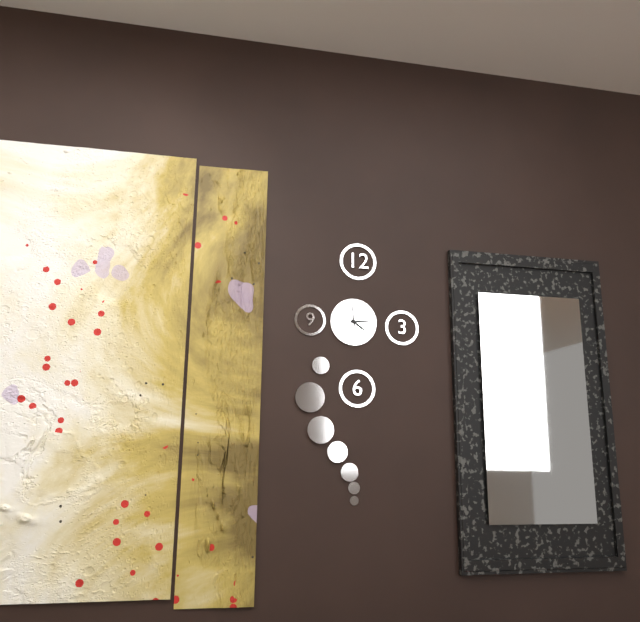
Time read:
4:14
